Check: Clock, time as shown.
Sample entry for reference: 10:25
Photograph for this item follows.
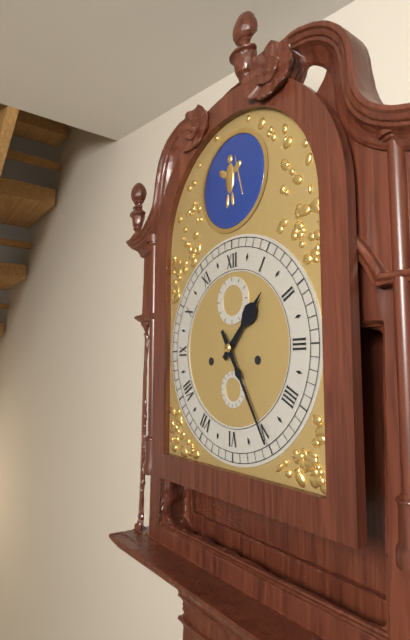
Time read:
1:25
